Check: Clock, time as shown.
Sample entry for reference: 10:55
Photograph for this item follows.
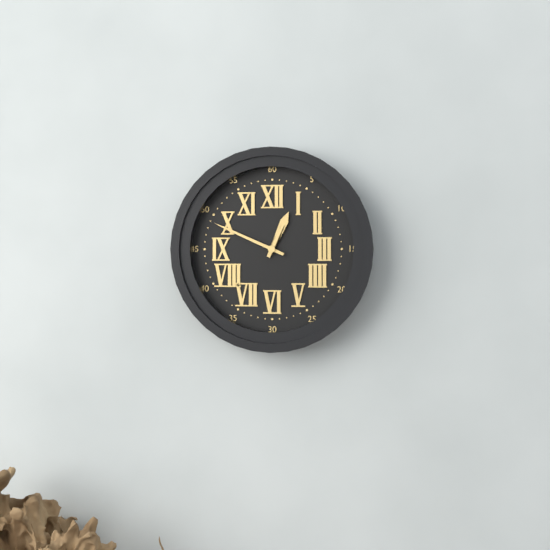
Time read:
12:49
